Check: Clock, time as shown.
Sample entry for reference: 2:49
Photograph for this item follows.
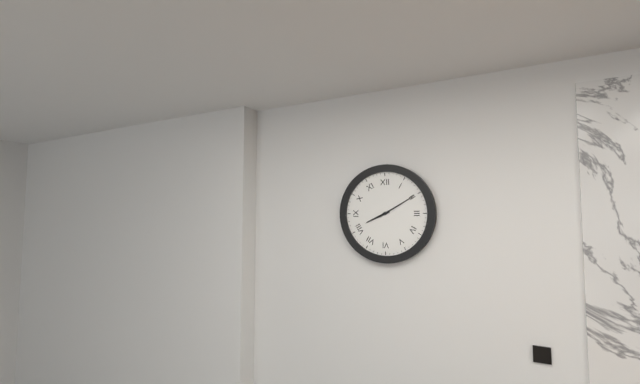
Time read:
8:10
